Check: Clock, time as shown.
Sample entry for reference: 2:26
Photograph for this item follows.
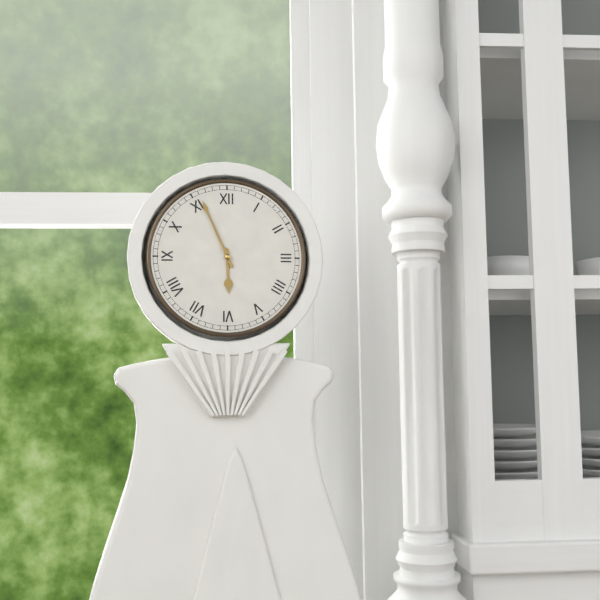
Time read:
5:56
